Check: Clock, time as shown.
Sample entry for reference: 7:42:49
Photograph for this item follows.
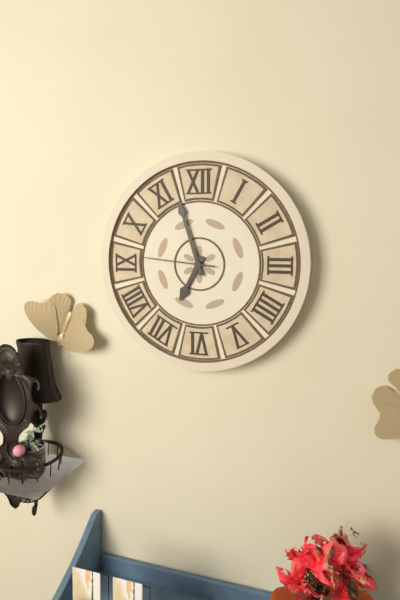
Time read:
6:57:46
